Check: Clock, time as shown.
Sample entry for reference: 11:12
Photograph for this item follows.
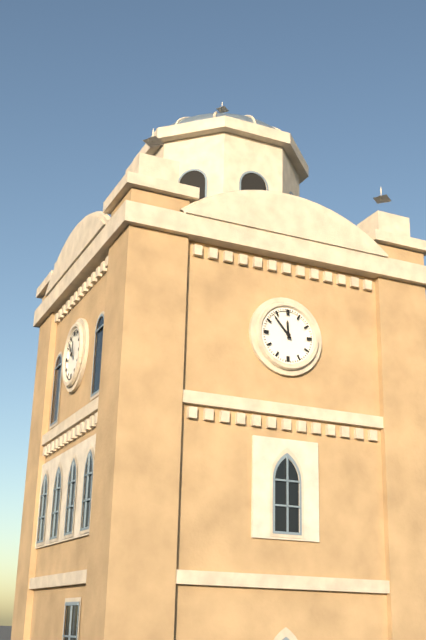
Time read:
11:53
